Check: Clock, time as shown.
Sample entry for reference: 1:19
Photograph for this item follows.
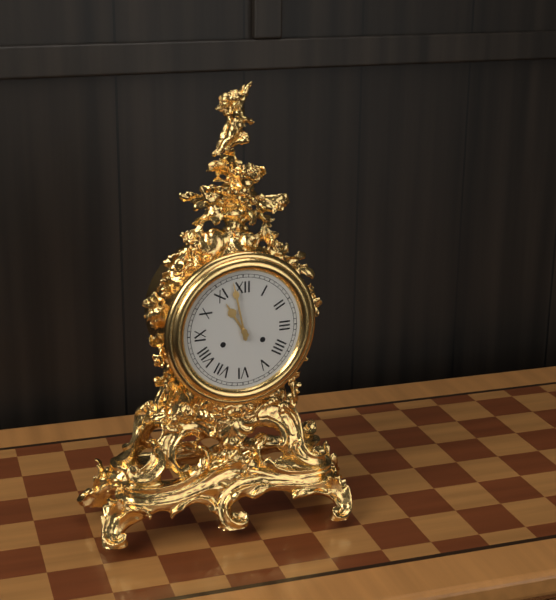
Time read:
10:58
